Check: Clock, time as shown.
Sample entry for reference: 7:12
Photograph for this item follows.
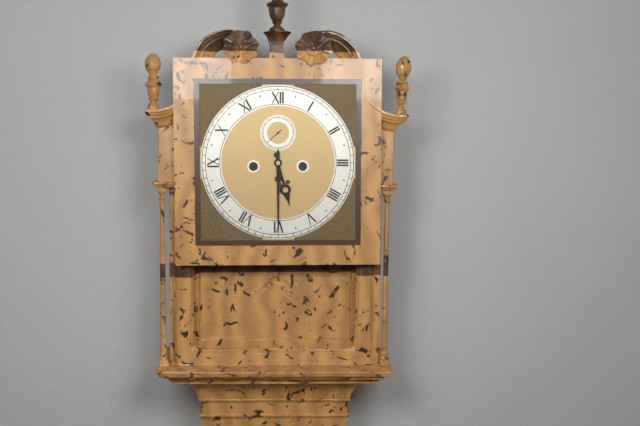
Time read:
5:30
